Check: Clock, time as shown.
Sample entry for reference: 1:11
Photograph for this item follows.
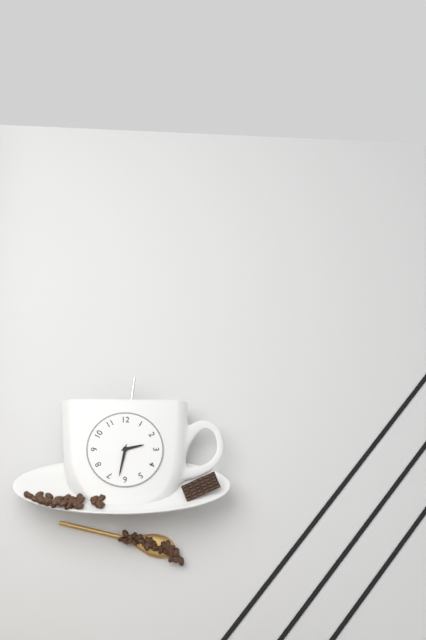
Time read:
2:32
